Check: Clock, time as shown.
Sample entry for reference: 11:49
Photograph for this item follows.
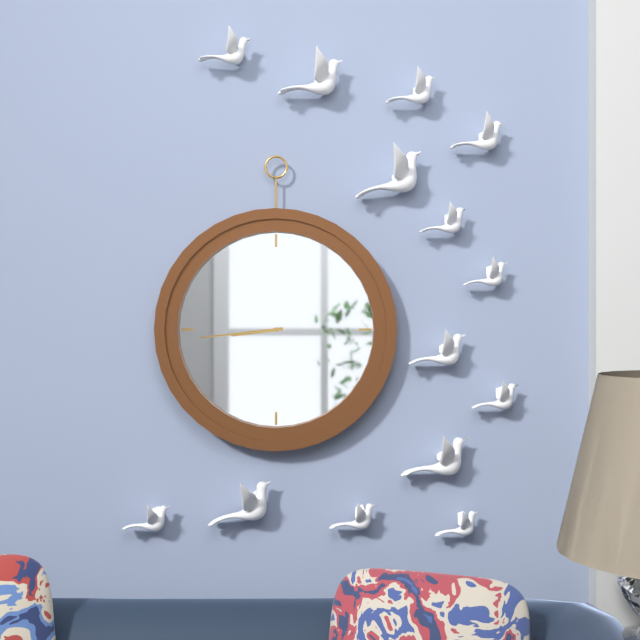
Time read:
8:44
